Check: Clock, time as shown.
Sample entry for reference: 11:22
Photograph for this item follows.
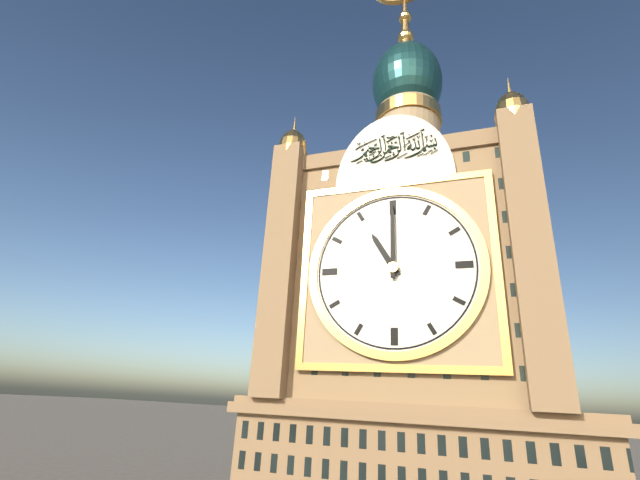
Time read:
11:00
